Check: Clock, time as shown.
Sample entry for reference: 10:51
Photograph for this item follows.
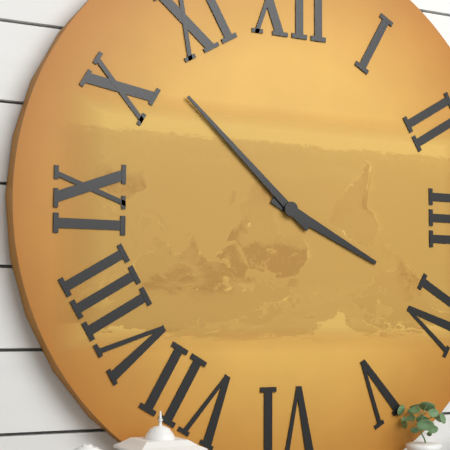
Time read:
3:52
